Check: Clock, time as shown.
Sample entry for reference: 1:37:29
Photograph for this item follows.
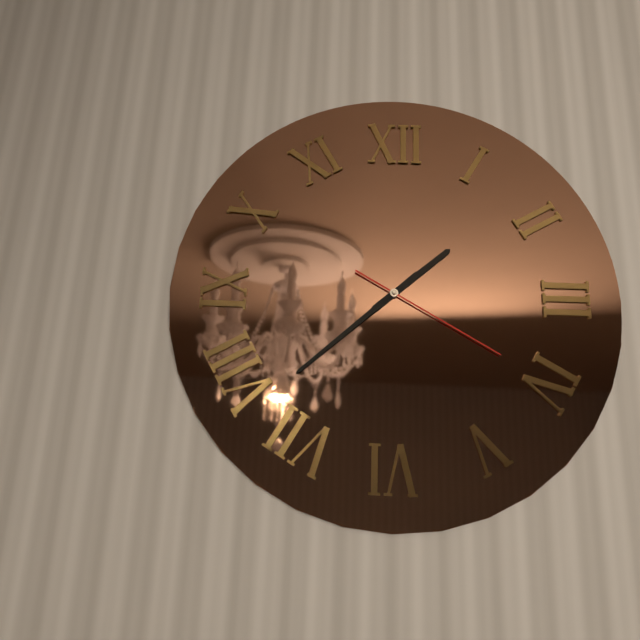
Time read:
1:38:20
